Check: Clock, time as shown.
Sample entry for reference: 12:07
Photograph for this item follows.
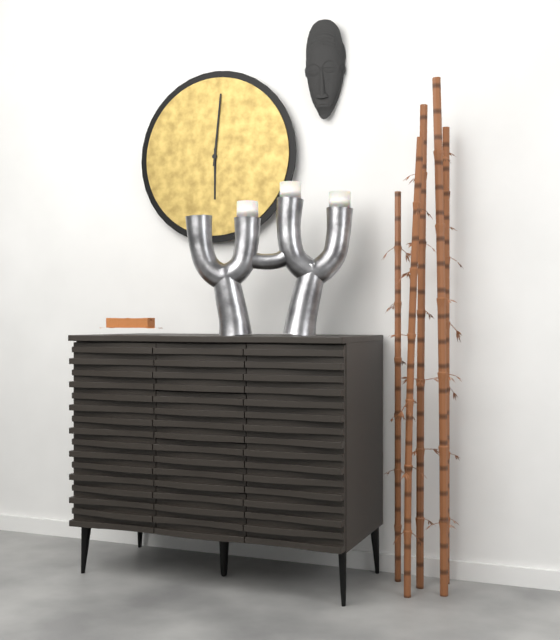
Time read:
6:01
